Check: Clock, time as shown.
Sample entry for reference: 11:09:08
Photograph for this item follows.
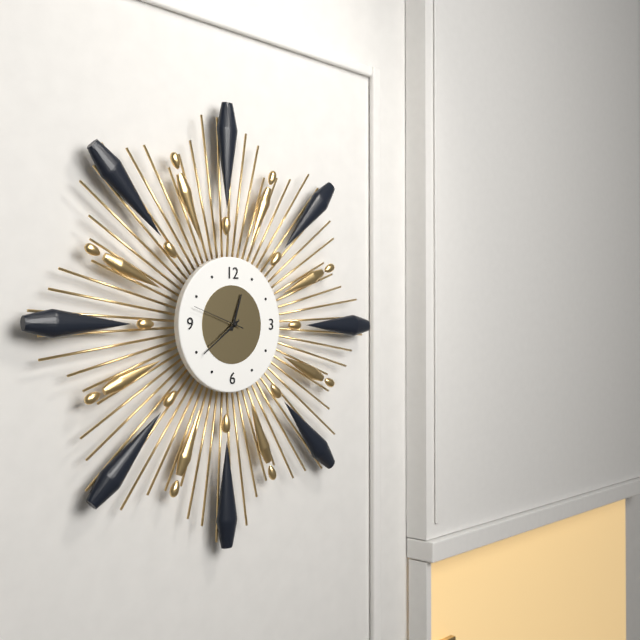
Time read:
12:39:48
